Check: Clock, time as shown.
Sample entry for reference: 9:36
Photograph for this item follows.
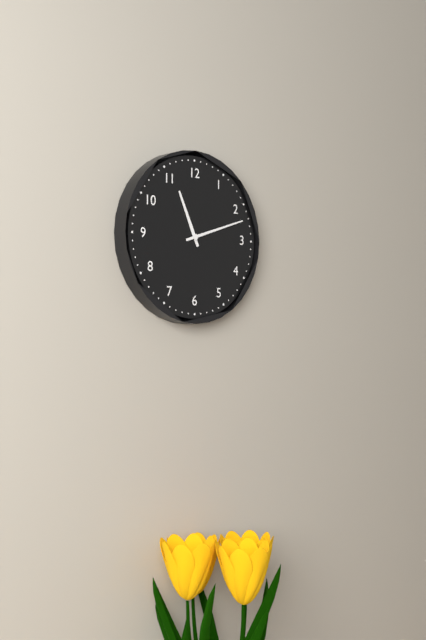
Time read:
11:12
